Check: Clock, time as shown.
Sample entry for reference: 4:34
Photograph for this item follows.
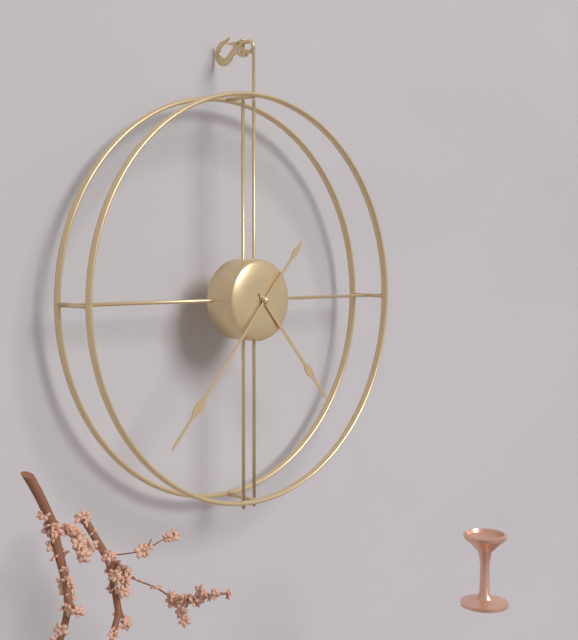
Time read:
4:37
